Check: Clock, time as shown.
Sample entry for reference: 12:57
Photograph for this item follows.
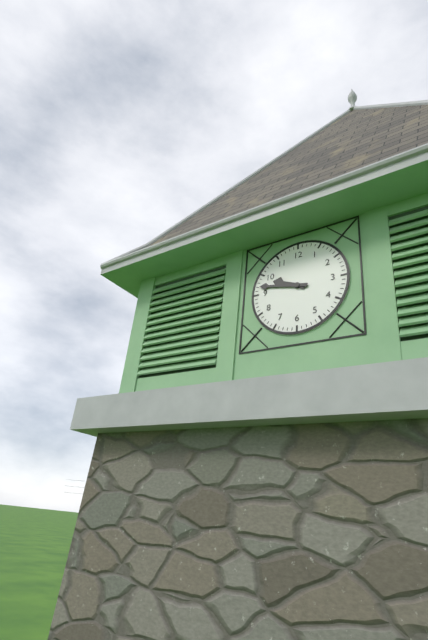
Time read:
9:47
